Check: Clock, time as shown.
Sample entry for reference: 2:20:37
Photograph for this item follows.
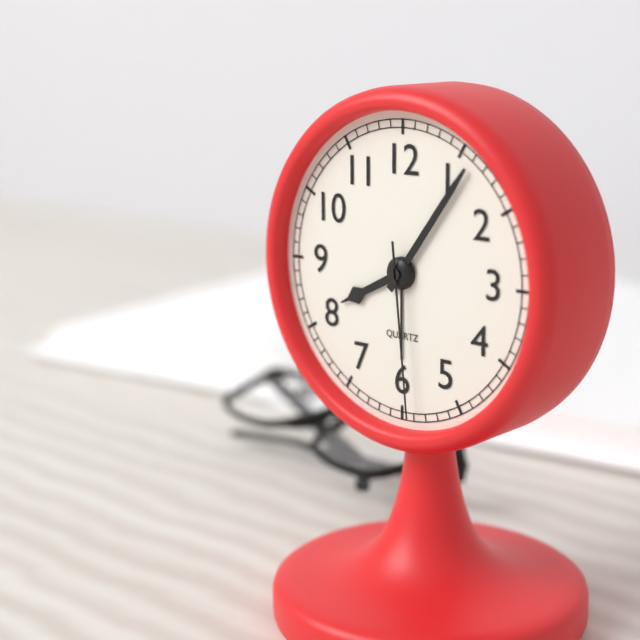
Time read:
8:06:29
